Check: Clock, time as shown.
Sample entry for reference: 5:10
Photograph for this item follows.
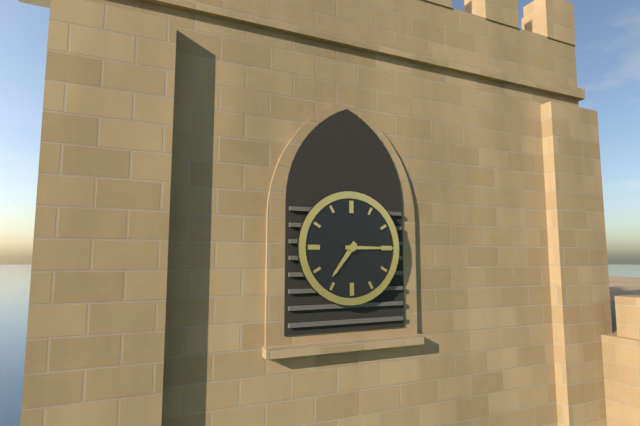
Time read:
7:15
